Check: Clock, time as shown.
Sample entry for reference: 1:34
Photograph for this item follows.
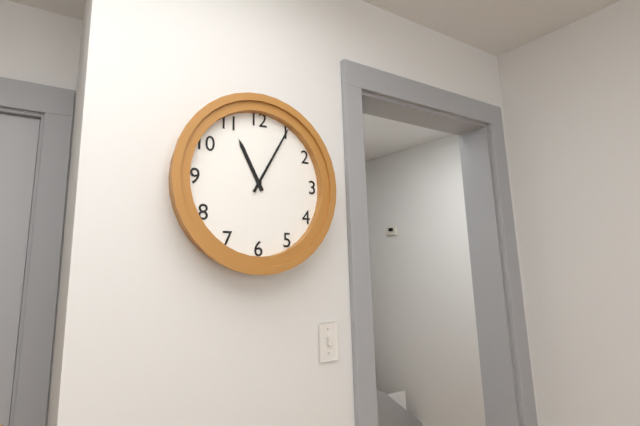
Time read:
11:05
